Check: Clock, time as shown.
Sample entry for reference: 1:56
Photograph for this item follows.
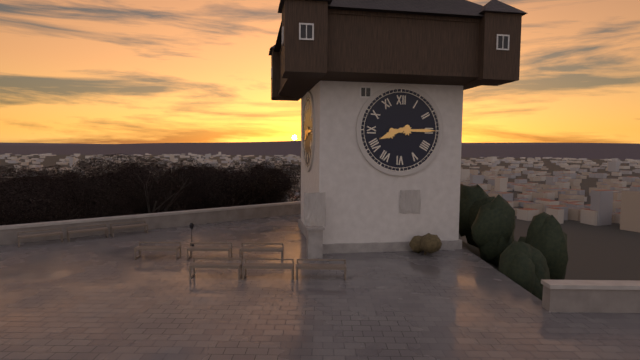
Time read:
8:15
